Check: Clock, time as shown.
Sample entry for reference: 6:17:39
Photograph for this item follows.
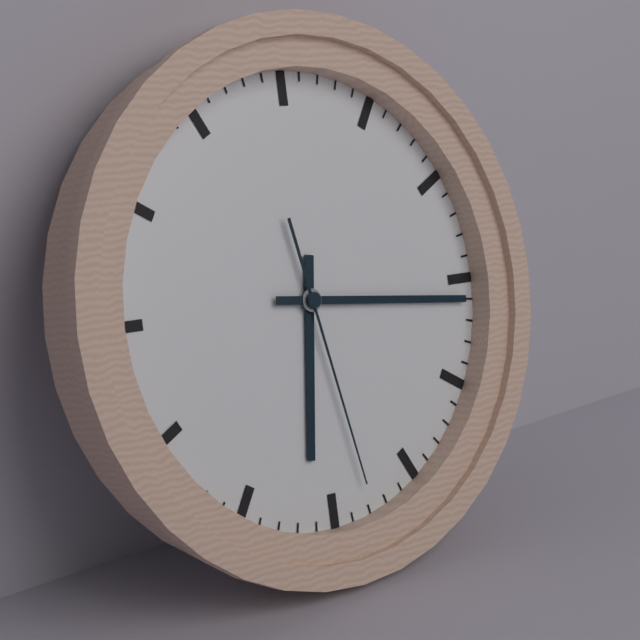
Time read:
6:16:28
